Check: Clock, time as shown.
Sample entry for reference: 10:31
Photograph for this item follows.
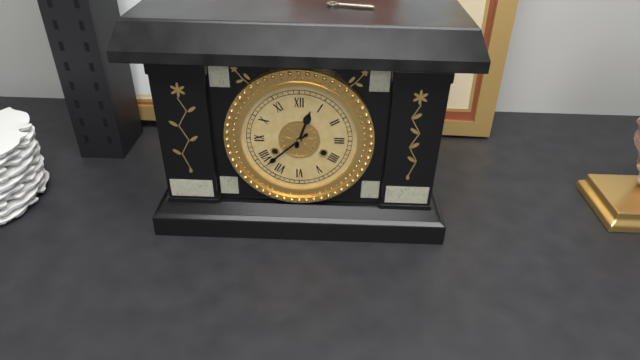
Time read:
12:38
